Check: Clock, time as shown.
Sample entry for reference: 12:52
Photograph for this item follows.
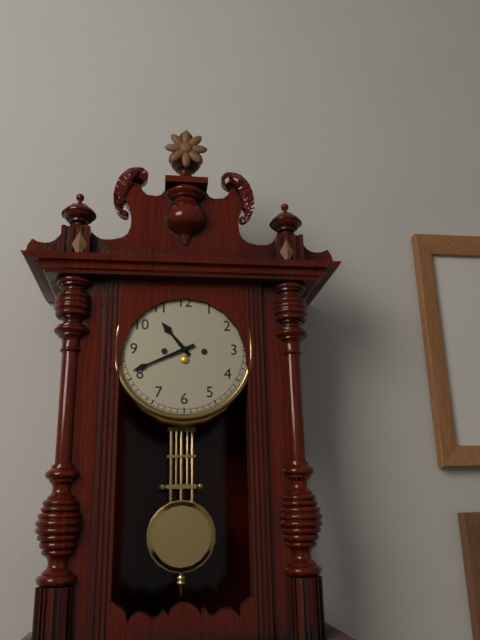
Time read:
10:41
